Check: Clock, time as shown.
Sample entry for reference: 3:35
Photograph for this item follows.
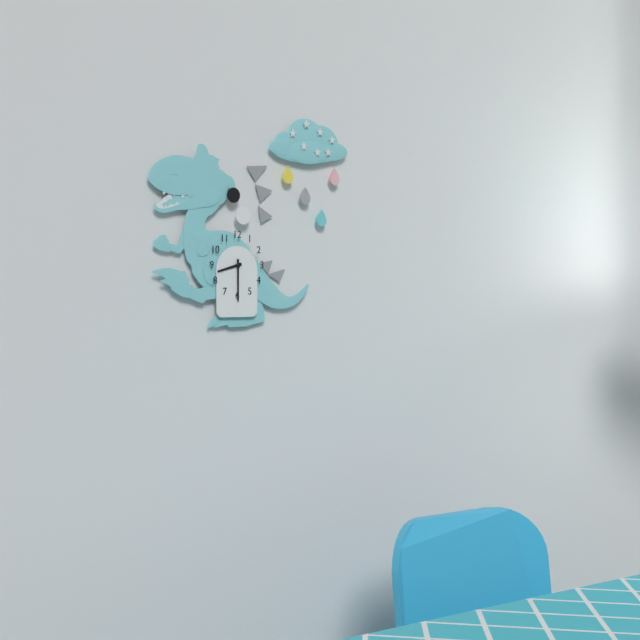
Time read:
8:30
